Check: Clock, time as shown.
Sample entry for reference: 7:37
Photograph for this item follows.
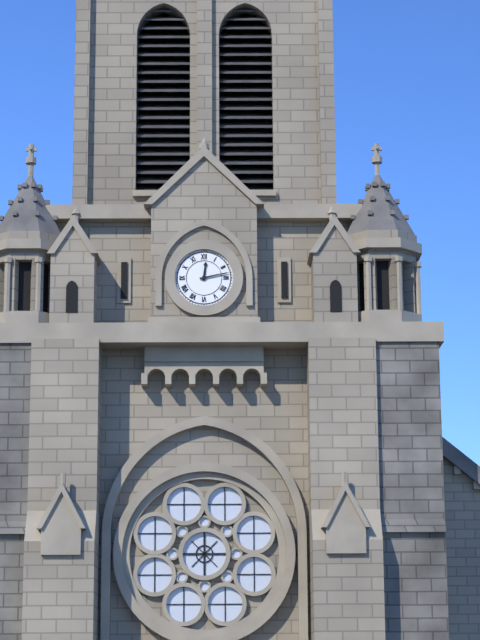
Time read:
12:13
